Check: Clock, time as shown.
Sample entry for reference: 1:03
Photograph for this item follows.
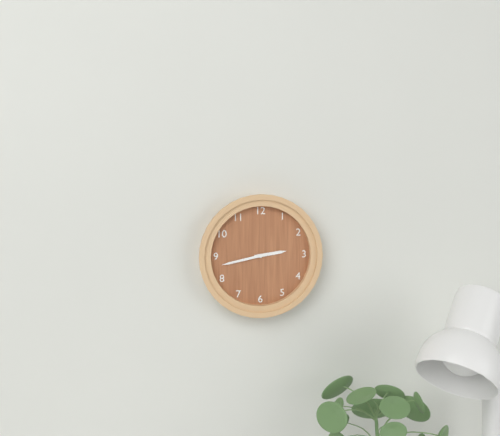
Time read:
2:43
